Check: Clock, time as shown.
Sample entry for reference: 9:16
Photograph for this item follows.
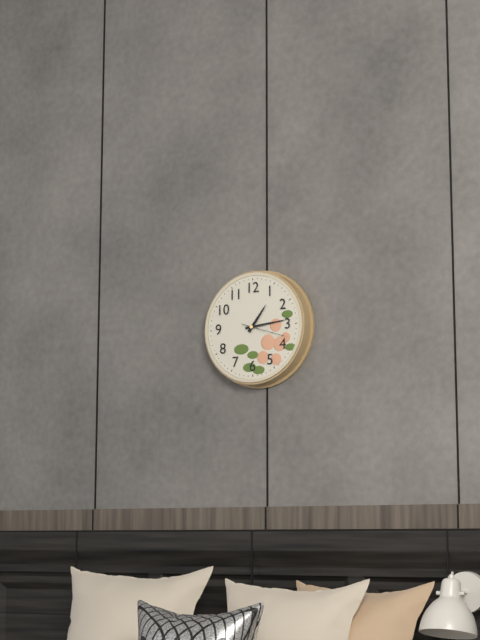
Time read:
1:14
